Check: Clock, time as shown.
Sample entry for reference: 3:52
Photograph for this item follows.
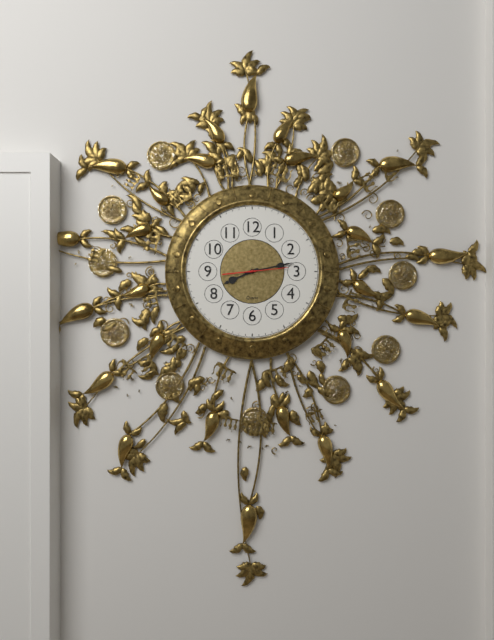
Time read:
8:13
